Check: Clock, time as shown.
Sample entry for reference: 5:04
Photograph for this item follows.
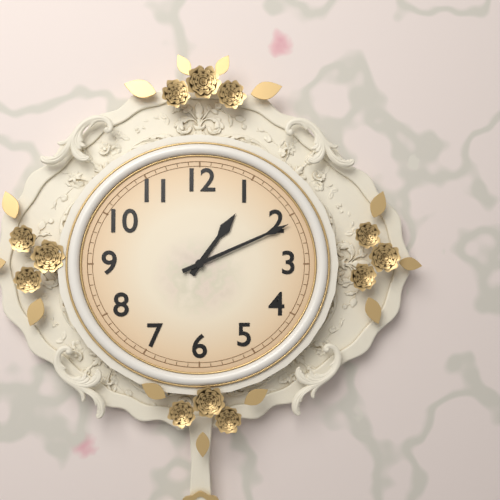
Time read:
1:11
